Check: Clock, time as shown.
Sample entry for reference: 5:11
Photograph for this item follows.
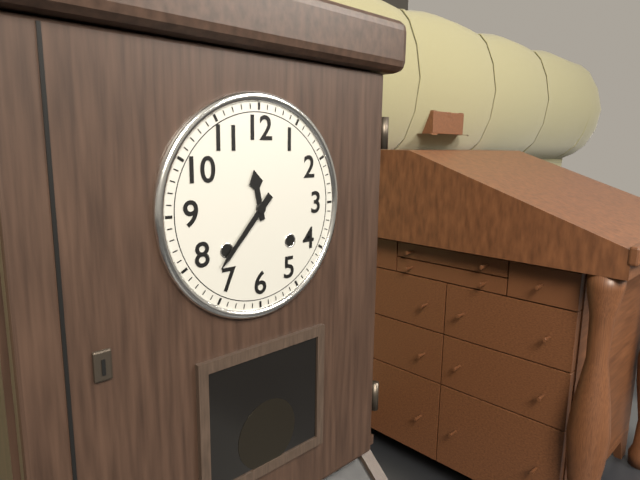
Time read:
11:37
